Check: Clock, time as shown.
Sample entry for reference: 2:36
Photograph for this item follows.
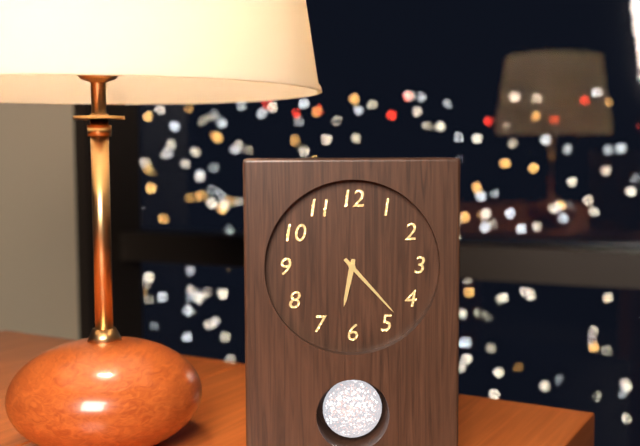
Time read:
6:23
